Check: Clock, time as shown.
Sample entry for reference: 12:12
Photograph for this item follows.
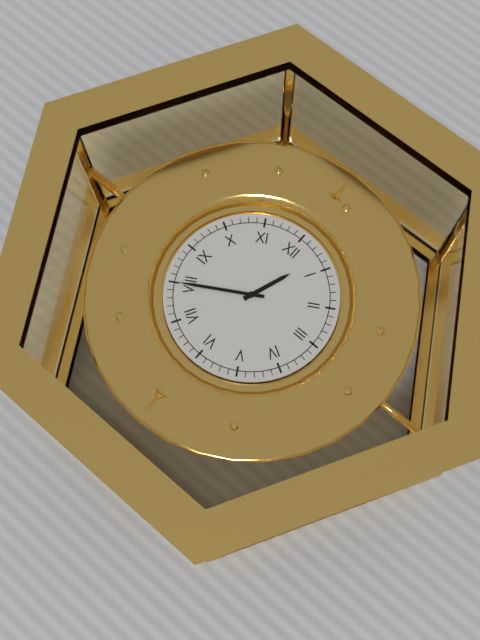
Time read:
12:40
